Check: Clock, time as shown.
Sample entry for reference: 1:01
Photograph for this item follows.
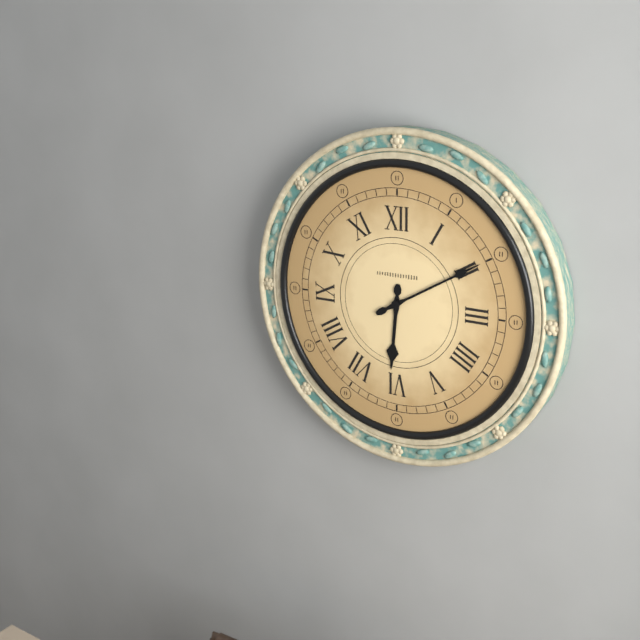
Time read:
6:10
